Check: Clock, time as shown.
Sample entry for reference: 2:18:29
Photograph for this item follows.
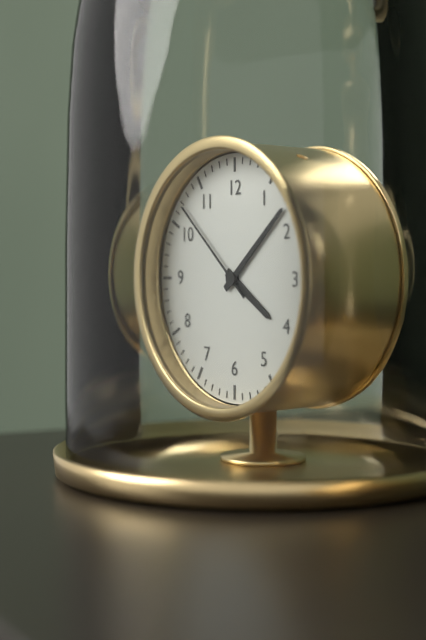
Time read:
4:08:52
